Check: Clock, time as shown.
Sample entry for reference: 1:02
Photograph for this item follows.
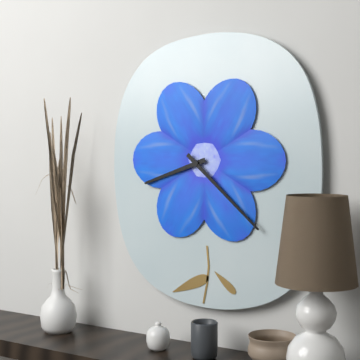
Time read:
8:22
